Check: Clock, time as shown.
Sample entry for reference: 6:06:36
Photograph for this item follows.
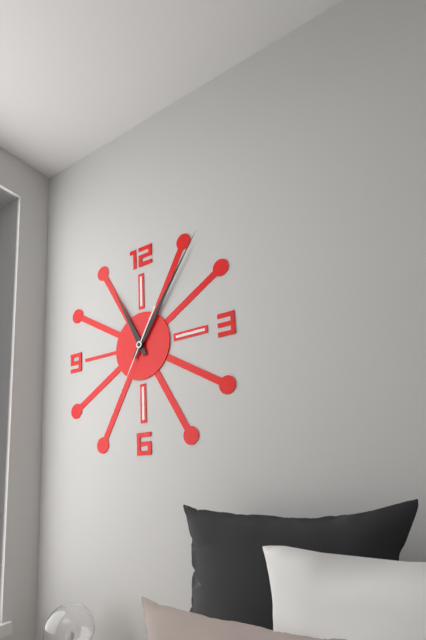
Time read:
11:06:35
